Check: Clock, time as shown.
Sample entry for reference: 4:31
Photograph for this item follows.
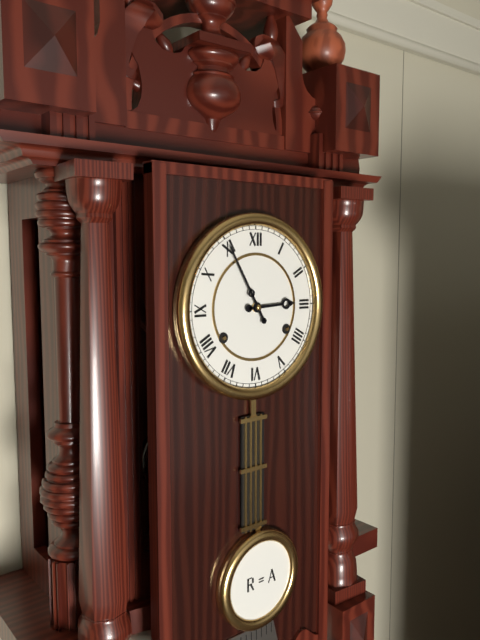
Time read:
2:55
